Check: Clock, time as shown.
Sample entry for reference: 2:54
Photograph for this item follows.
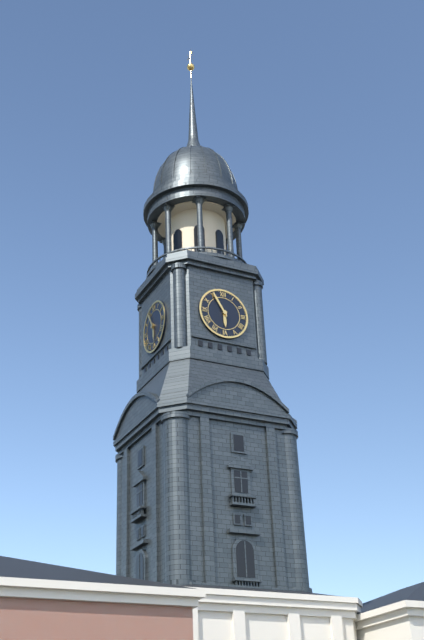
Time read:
5:55
